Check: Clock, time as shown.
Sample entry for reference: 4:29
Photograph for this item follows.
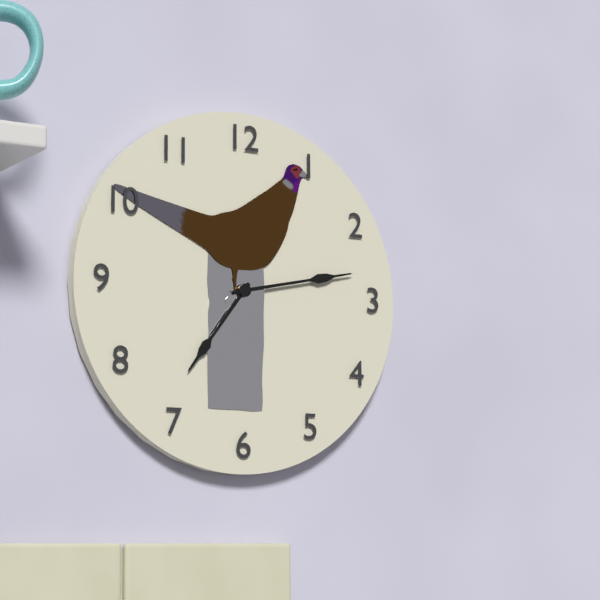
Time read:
7:13
